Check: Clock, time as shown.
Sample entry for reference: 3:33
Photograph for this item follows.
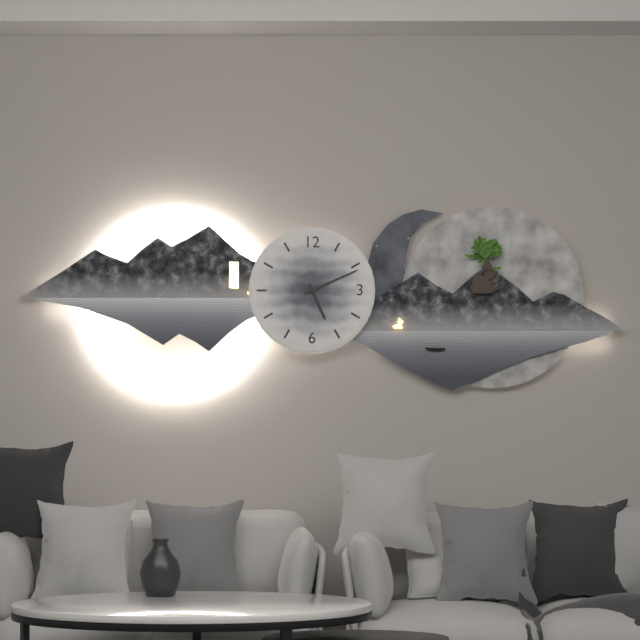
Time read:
5:11
